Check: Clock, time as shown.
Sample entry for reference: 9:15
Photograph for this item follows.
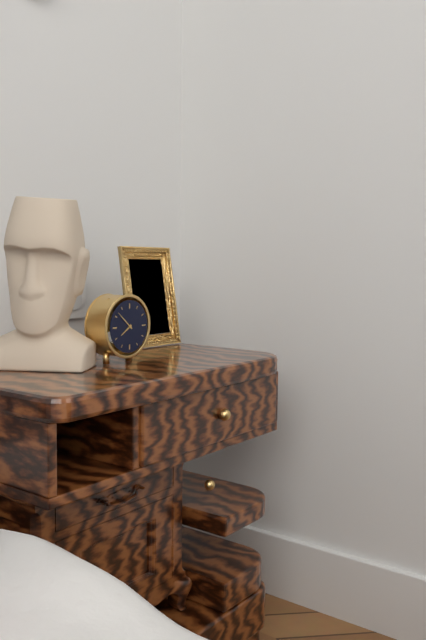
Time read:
7:52
